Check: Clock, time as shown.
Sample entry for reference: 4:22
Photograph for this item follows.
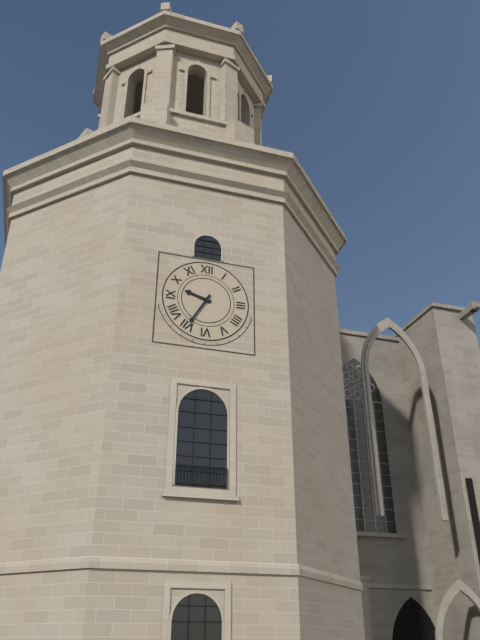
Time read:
9:35
